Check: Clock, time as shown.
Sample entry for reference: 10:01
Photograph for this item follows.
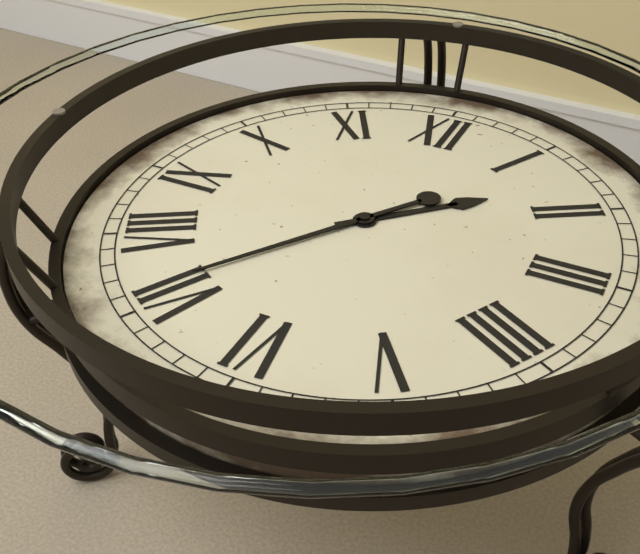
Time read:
1:36
